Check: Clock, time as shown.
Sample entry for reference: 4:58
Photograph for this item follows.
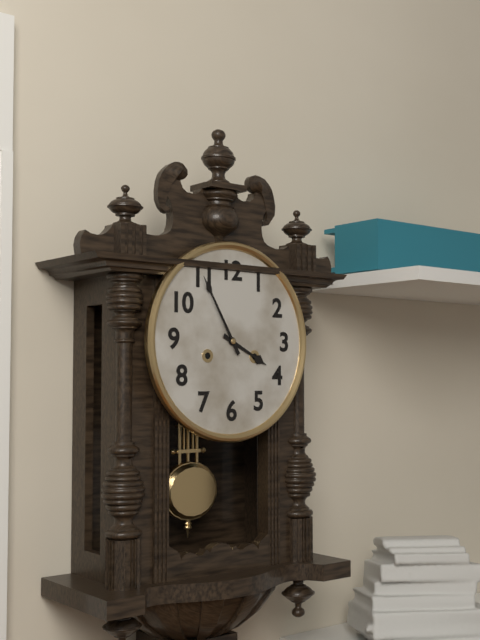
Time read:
3:55
